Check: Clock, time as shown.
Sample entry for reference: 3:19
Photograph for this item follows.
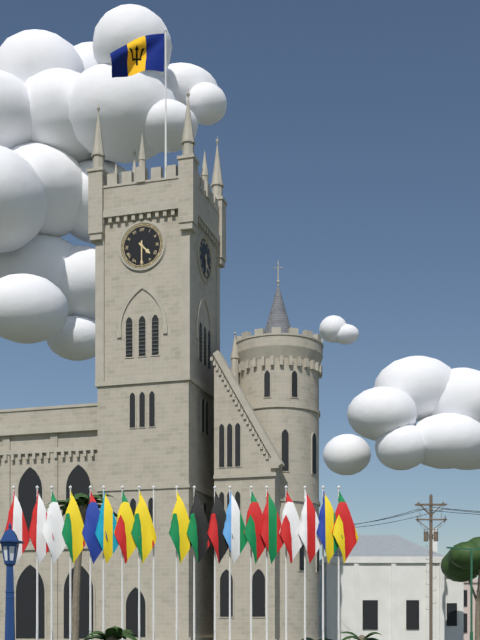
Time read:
4:30
